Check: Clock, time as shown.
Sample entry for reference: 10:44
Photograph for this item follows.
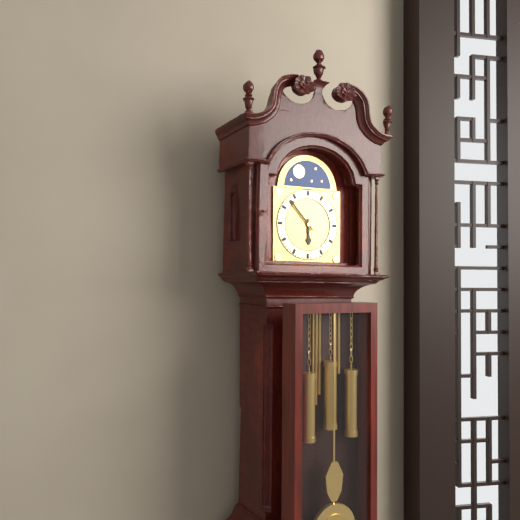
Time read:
5:53
